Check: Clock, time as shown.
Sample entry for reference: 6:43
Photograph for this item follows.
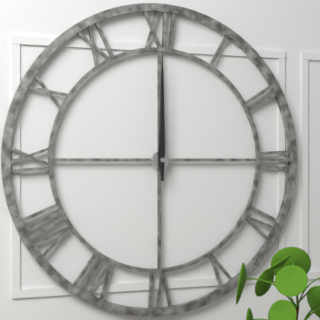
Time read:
12:00
